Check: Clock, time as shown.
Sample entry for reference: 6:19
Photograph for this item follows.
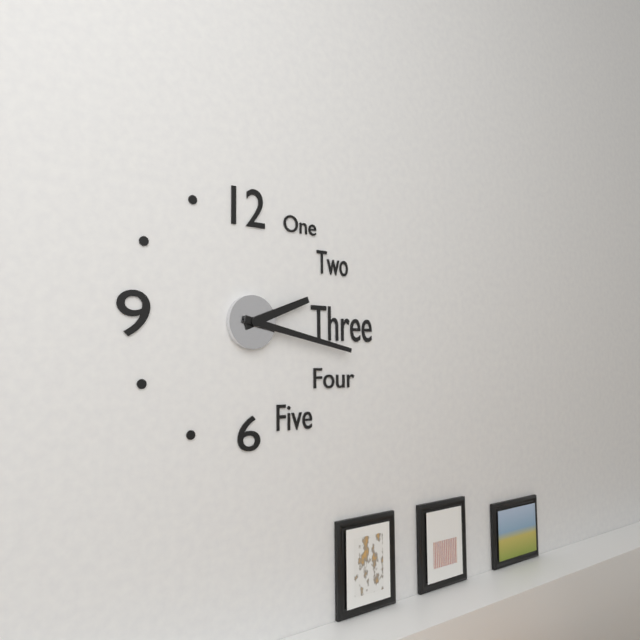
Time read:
2:17
